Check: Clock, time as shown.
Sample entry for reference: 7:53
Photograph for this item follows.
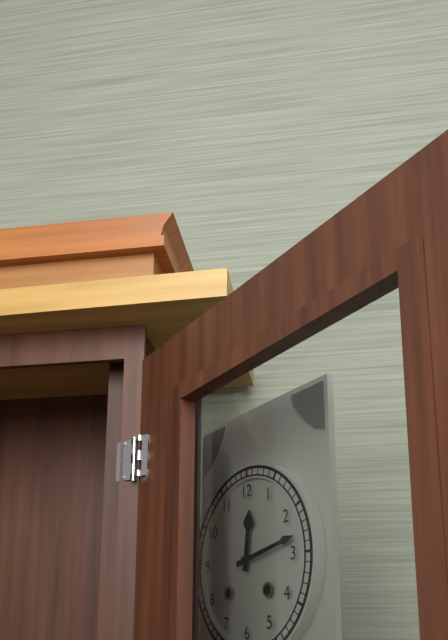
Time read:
12:13
